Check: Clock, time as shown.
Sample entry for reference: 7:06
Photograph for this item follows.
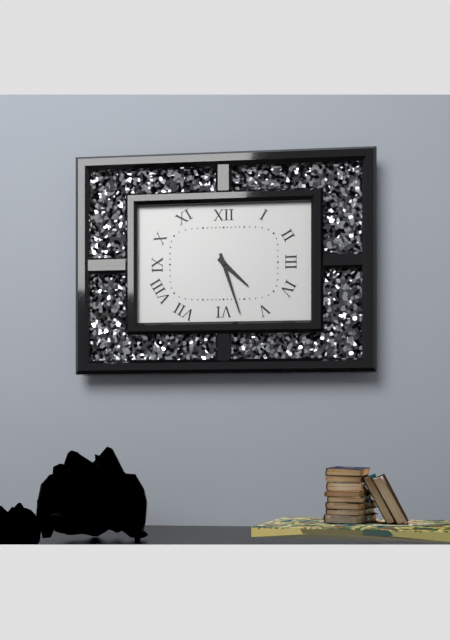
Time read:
4:27
